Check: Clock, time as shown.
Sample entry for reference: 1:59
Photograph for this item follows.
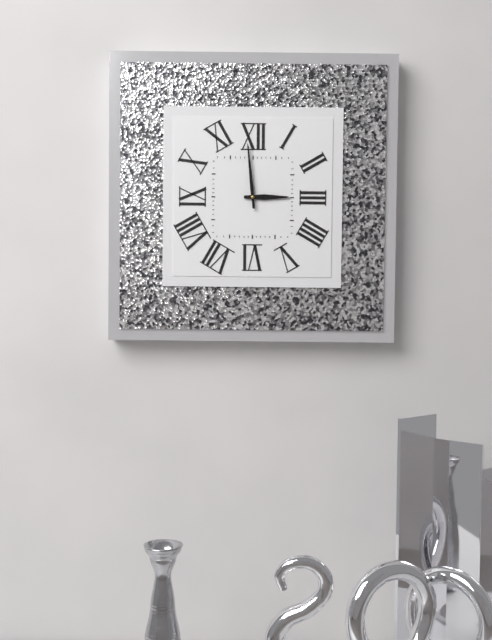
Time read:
2:59
